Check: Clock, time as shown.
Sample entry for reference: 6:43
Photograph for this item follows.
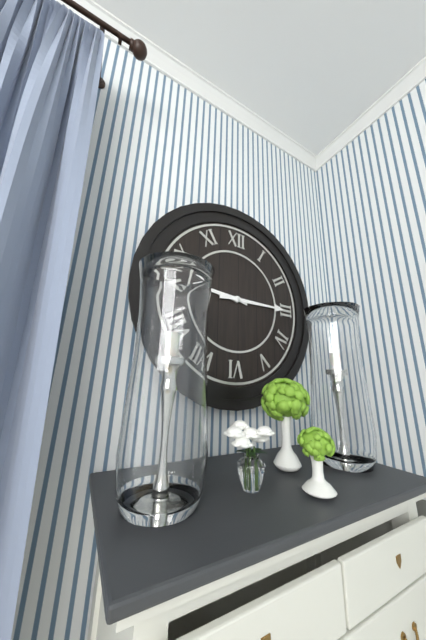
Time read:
9:15
